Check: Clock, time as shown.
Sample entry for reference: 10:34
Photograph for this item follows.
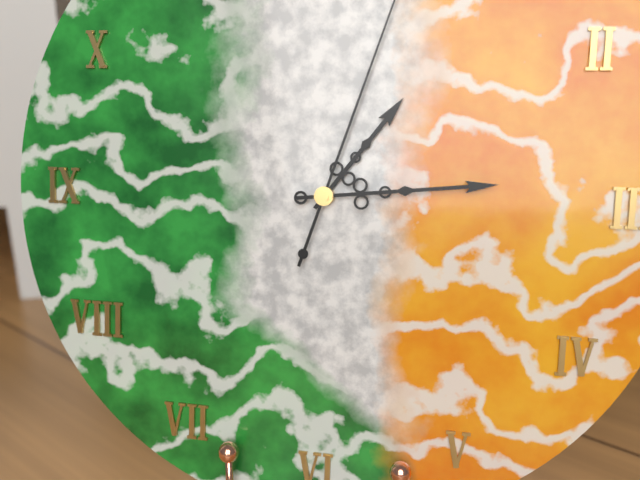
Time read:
1:14
